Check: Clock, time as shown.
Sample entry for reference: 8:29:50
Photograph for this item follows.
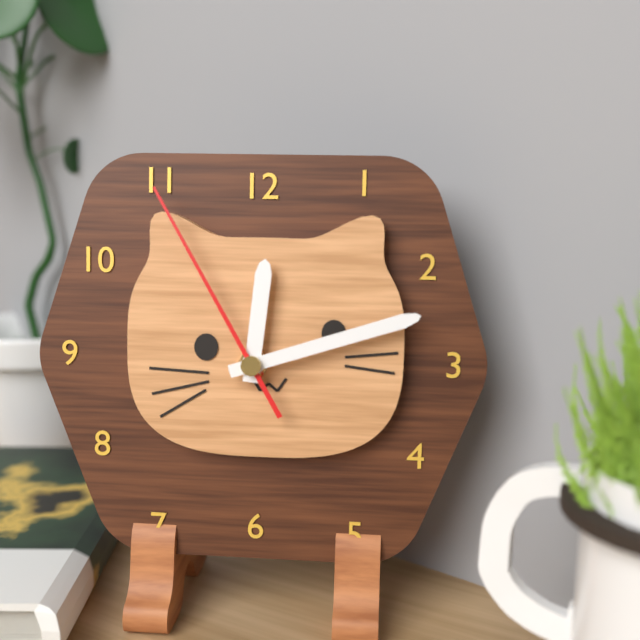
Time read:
12:12:55
